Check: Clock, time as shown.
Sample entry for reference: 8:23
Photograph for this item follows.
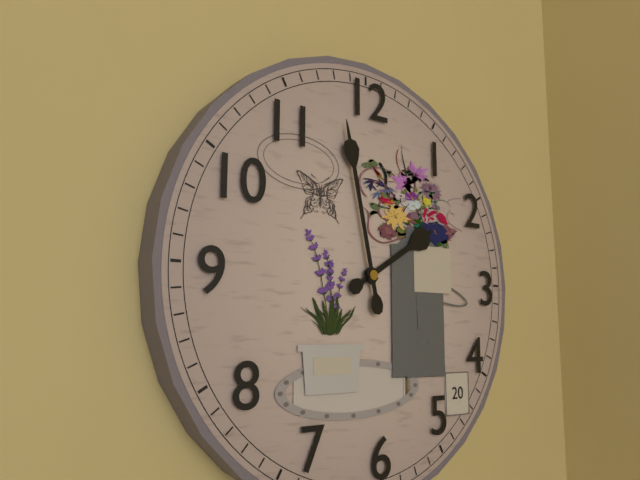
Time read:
1:58
